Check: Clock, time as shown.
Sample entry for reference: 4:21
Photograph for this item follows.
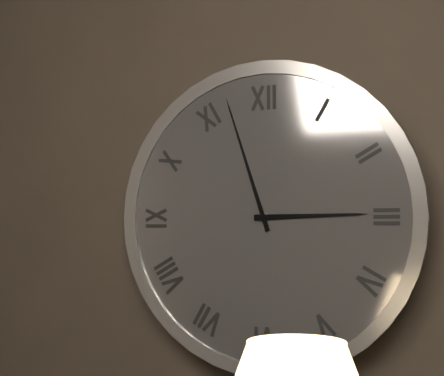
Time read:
2:57
